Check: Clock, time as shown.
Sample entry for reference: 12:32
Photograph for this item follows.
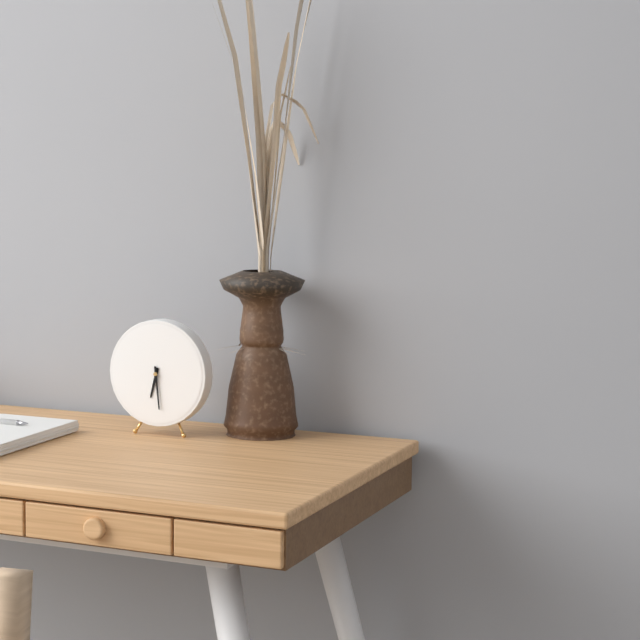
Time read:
6:29
